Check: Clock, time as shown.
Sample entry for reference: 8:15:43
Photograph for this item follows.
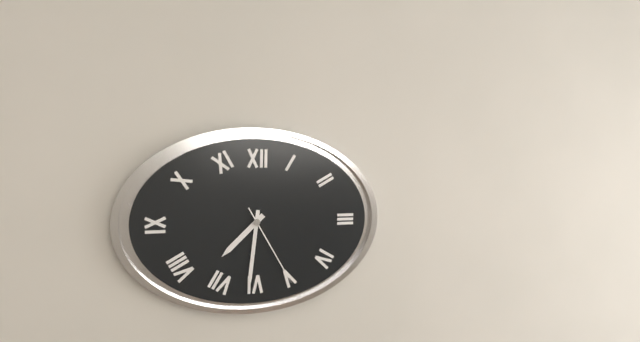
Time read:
7:31:25
